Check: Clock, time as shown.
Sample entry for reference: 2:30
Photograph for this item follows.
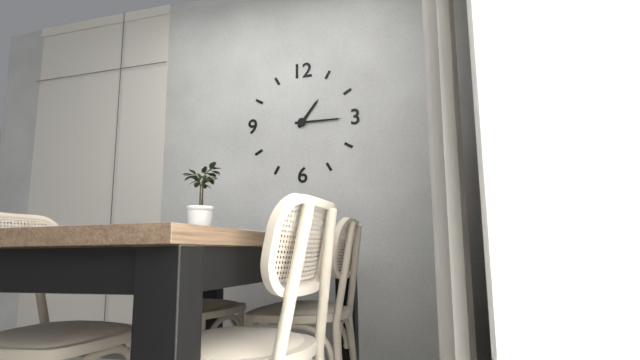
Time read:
1:15
